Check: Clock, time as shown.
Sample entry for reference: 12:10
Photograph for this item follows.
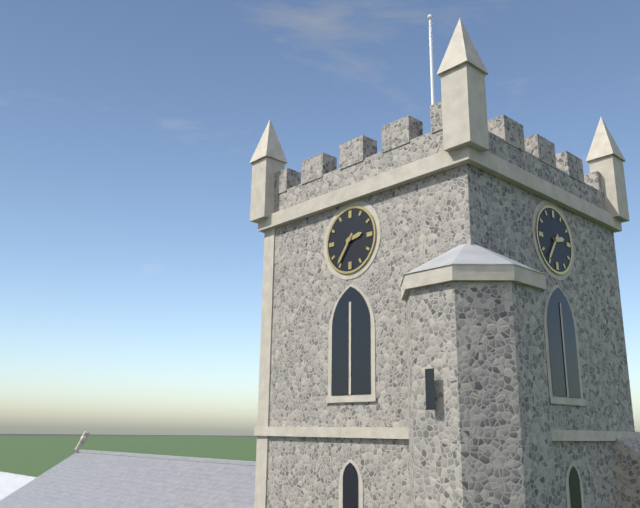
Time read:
2:36
